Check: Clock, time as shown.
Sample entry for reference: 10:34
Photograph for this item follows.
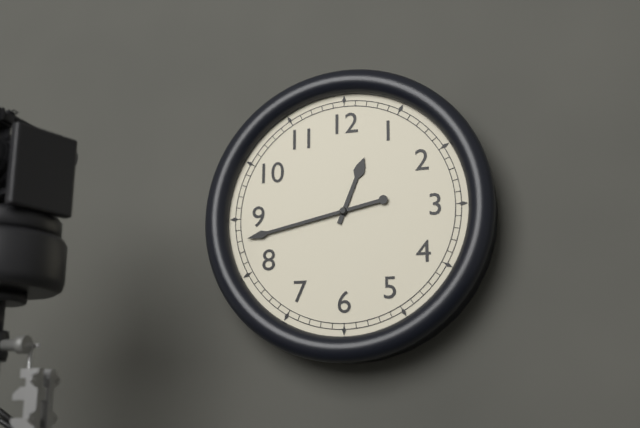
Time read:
12:43
